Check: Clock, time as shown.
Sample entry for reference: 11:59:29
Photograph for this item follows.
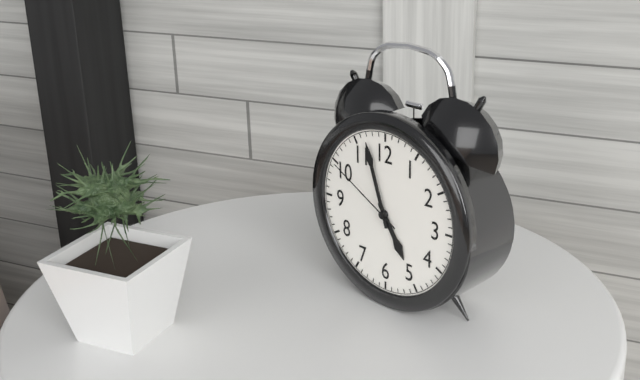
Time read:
4:57:50
